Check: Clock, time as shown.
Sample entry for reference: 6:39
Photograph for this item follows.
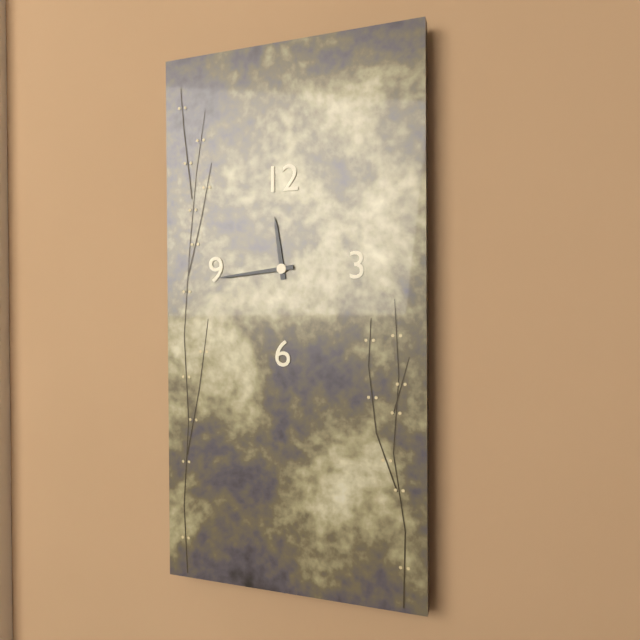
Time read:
11:44
